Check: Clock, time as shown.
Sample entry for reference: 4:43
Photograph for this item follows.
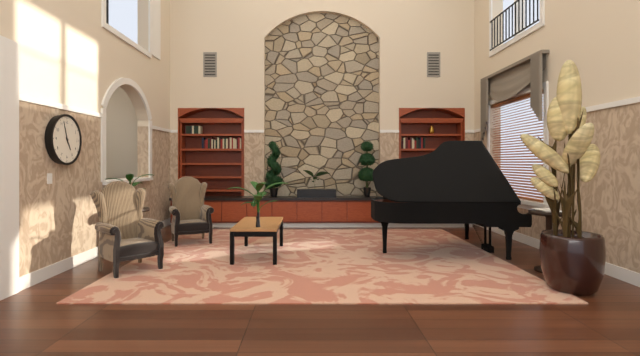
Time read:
4:57
